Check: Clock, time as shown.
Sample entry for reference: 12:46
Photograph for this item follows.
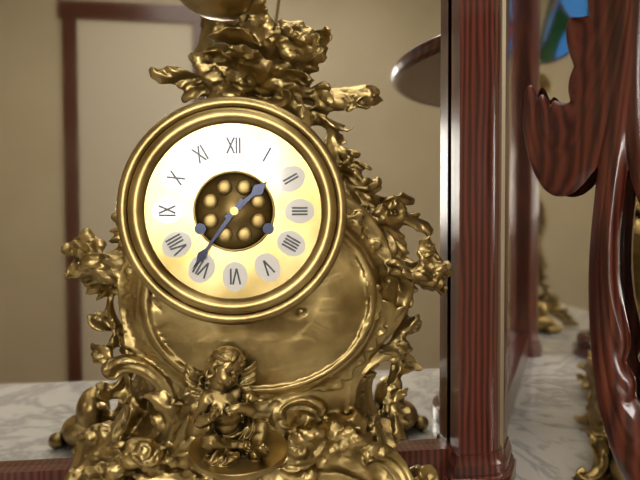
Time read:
1:36
